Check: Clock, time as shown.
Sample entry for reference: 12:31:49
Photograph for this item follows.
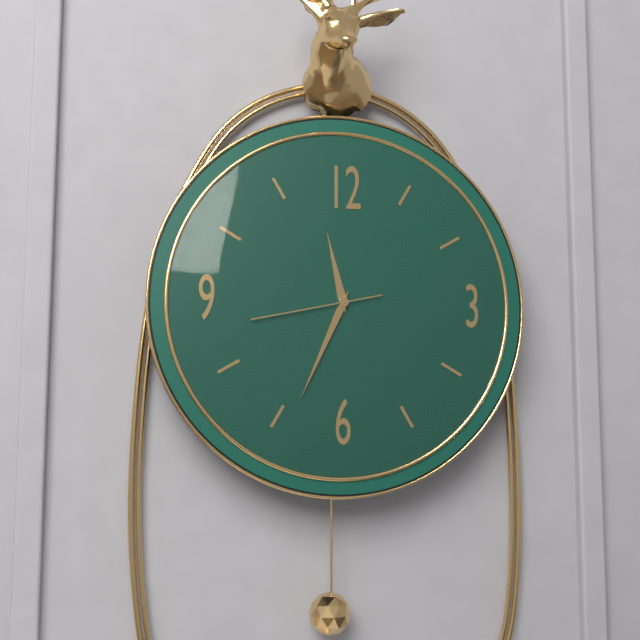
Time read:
11:34:43
